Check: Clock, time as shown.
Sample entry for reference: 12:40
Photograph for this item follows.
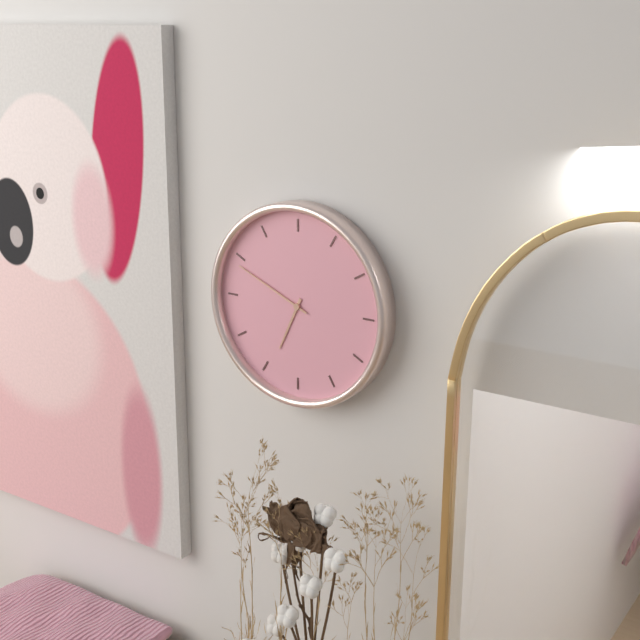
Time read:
6:49
